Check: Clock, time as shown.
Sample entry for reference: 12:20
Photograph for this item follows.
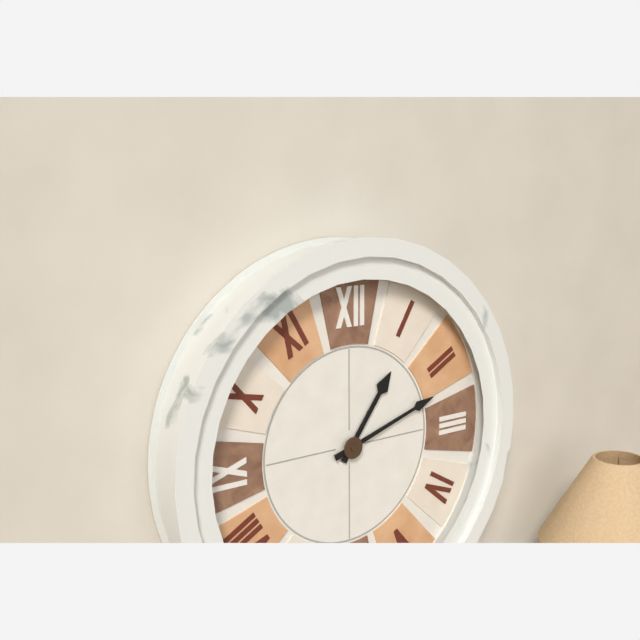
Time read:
1:12
